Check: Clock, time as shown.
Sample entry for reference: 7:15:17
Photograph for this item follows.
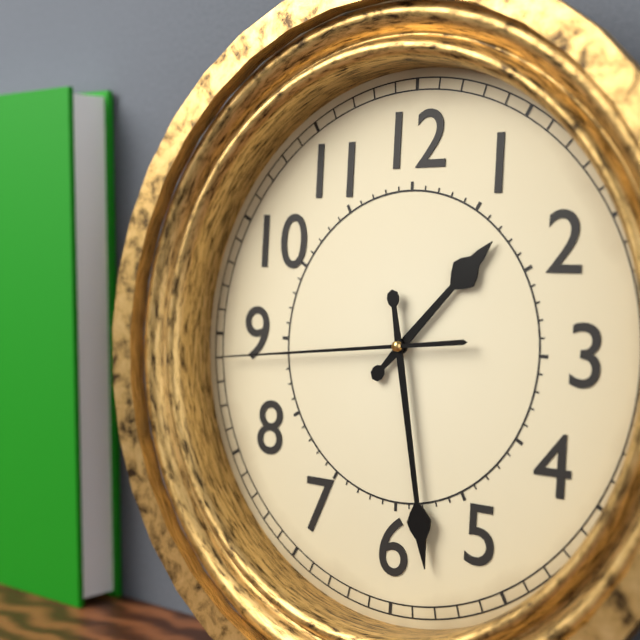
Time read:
1:28:44
